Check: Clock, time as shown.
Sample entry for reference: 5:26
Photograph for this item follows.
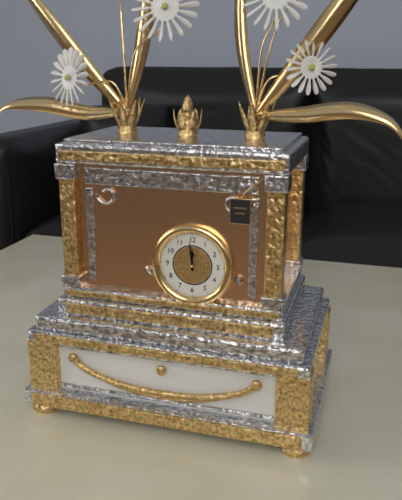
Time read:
11:59
